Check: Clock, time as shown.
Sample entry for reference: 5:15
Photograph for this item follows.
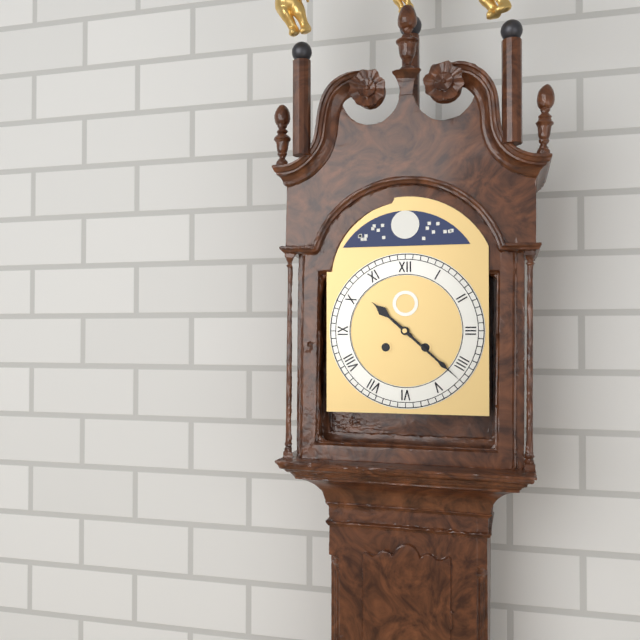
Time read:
10:22
